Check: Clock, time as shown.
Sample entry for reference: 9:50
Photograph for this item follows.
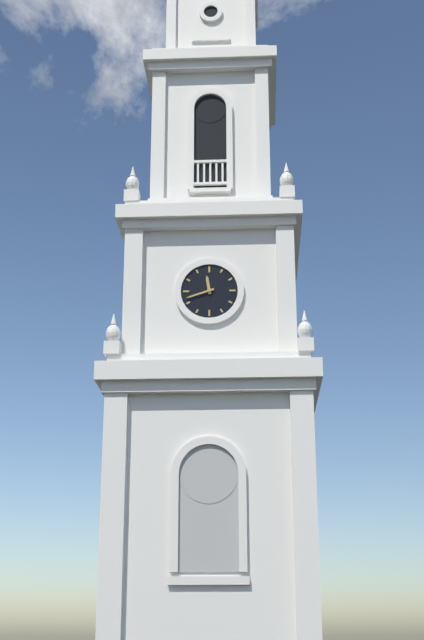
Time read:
11:42
